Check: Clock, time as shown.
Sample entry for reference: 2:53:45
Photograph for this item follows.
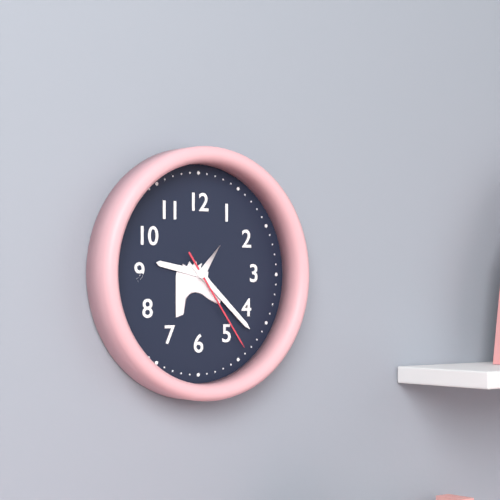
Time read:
9:22:24
